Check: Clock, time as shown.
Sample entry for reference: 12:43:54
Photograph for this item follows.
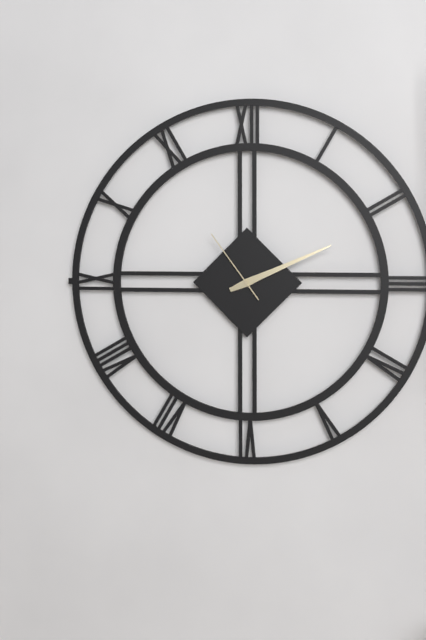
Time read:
2:11:54
